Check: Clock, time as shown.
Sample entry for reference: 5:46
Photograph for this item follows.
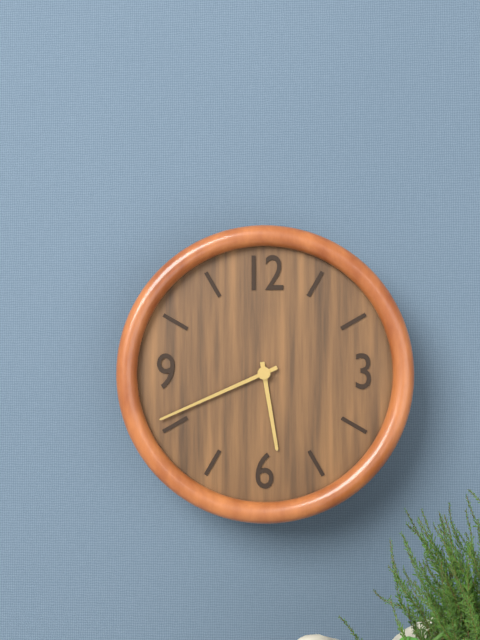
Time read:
5:41
